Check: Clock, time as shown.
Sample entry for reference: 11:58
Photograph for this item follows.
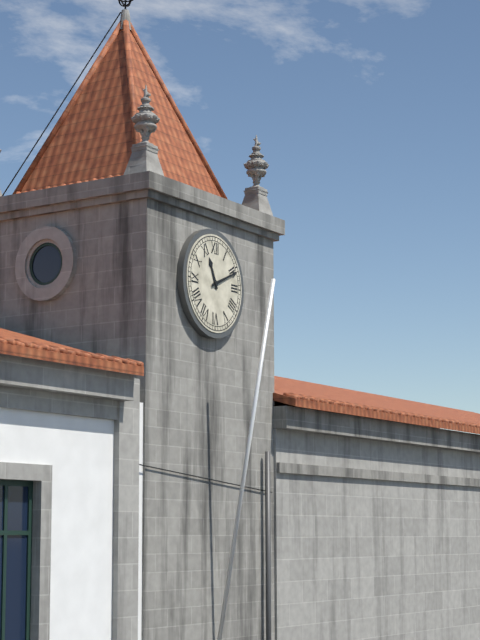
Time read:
11:11
